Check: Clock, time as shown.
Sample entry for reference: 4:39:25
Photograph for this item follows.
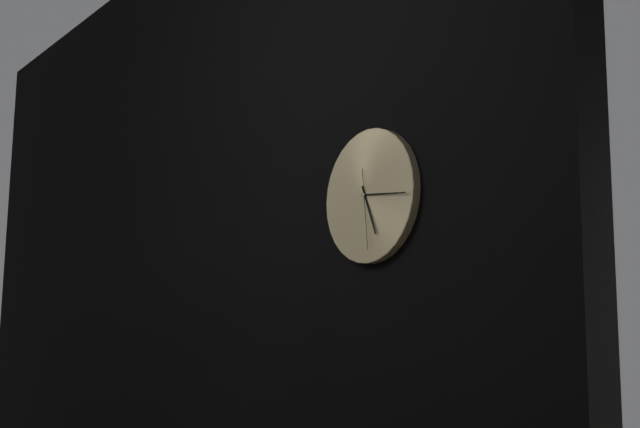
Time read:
5:16:29
